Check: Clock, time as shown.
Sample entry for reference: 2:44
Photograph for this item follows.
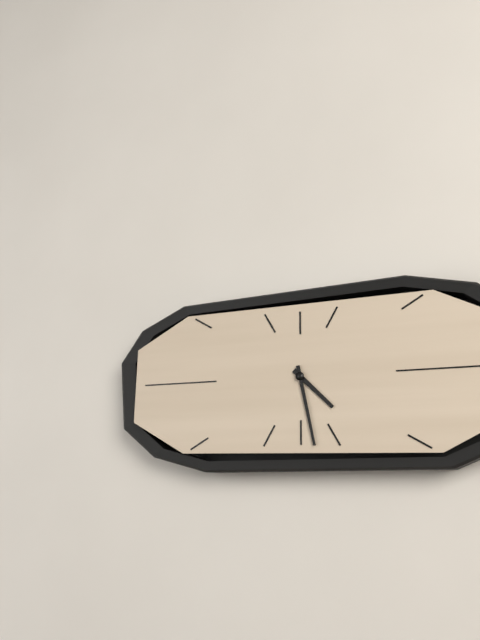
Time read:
4:28
